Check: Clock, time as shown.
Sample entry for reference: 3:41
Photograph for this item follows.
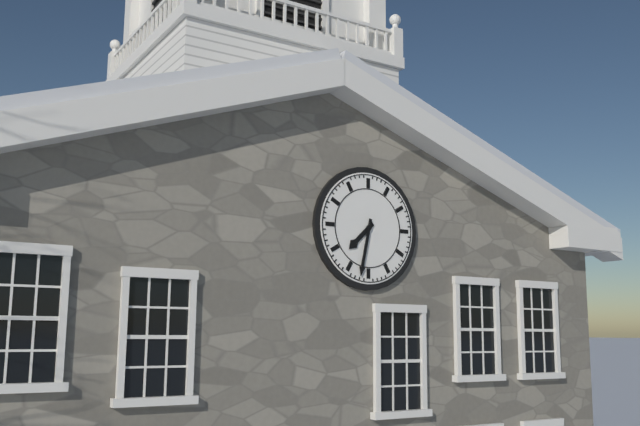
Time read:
7:32
